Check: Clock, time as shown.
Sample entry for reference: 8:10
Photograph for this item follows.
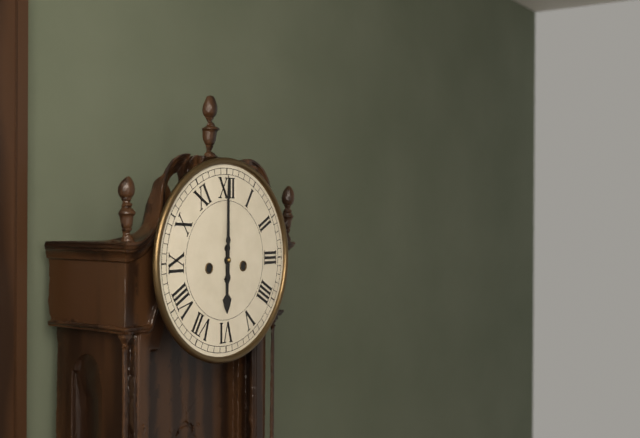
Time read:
6:00
